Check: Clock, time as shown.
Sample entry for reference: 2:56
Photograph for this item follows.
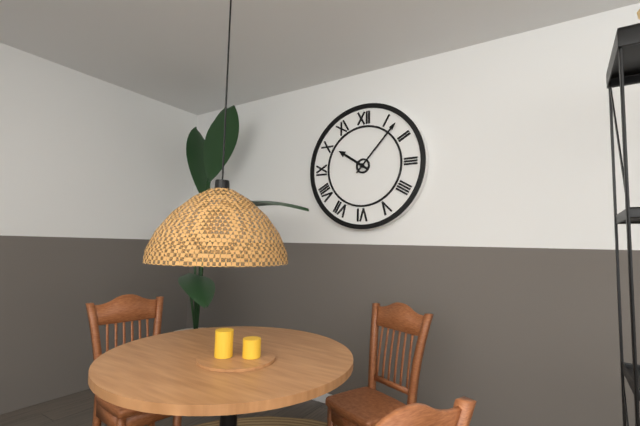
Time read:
10:07
